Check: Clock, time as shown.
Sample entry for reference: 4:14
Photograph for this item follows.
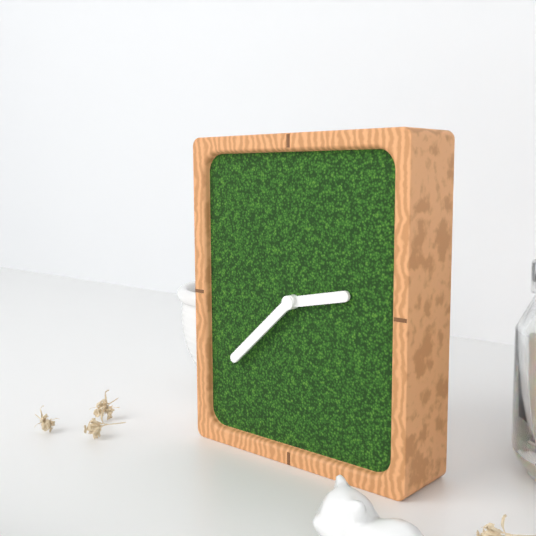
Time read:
2:38
